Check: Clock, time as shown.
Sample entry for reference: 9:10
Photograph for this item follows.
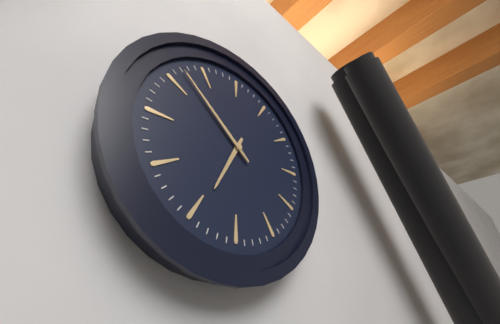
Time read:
6:52
